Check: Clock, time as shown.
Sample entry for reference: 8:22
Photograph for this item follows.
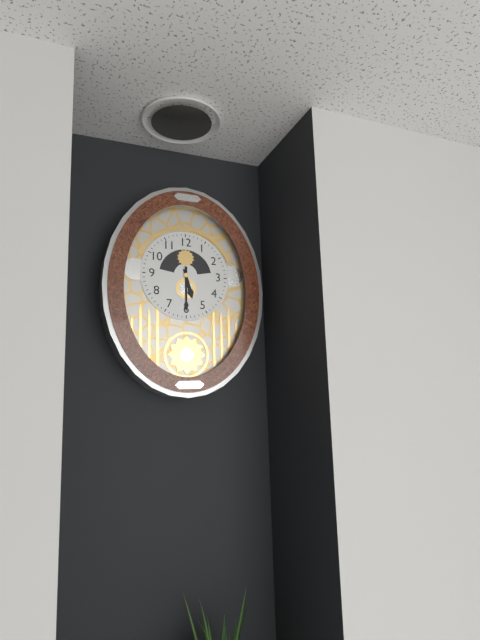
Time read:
5:30
